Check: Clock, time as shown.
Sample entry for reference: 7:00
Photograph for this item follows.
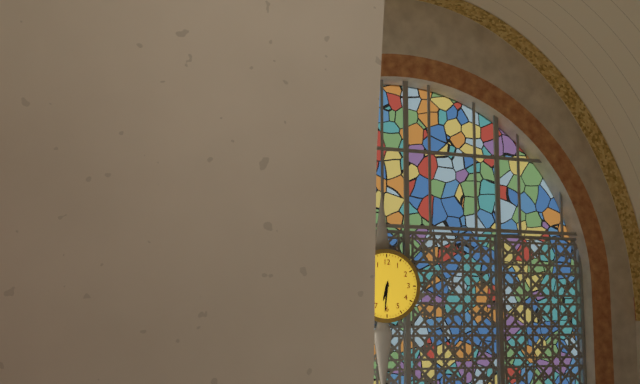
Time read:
6:31
